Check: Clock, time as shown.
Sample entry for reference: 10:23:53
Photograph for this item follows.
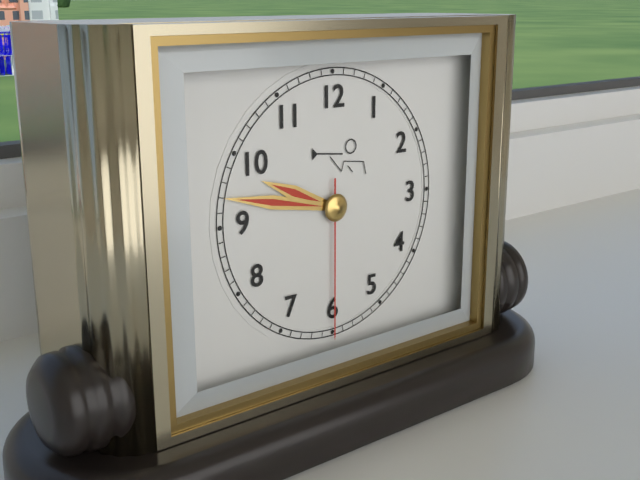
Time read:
9:47:30
